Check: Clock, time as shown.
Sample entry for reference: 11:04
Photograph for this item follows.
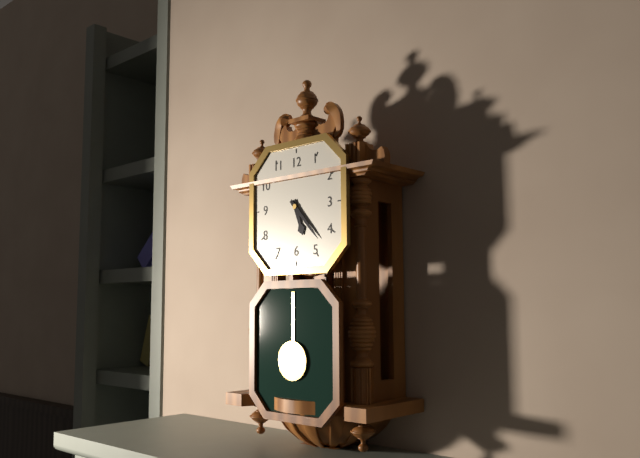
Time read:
5:23
